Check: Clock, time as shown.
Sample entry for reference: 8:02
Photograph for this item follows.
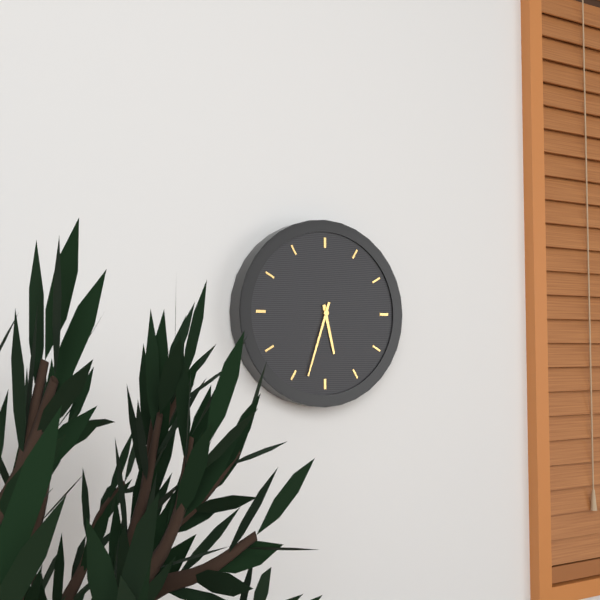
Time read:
5:33
